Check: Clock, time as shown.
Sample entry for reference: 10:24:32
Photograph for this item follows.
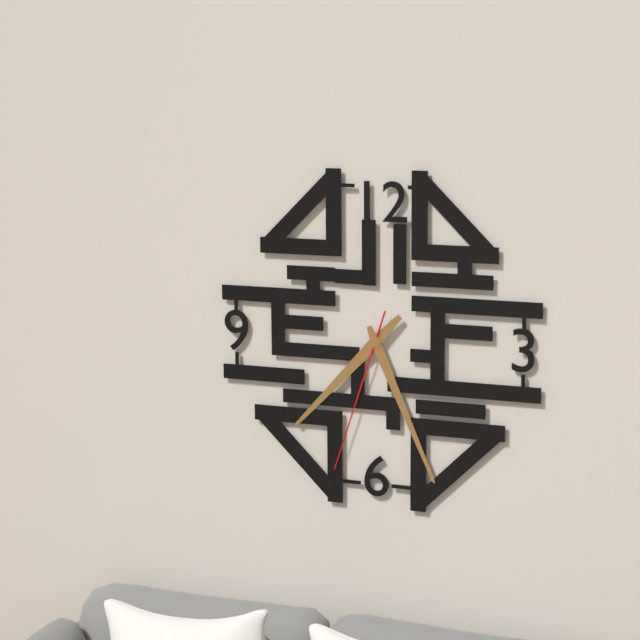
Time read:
7:26:33
